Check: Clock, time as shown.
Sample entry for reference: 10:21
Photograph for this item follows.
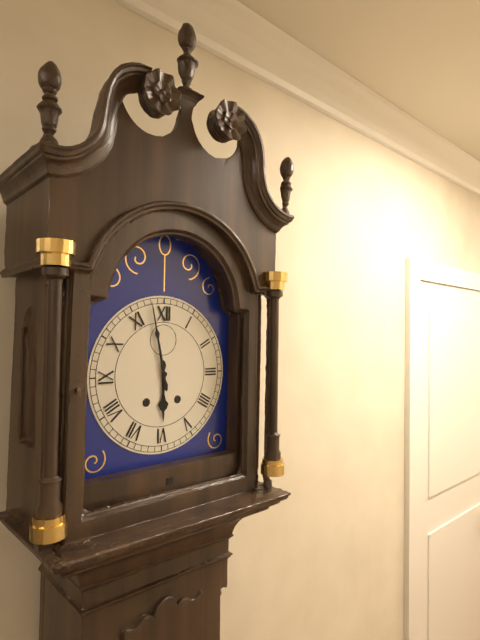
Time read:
5:58
